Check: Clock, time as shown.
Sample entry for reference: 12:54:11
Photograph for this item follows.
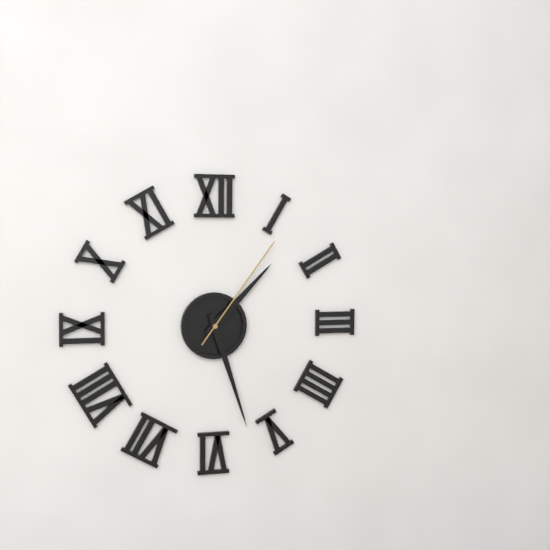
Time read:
1:27:06
